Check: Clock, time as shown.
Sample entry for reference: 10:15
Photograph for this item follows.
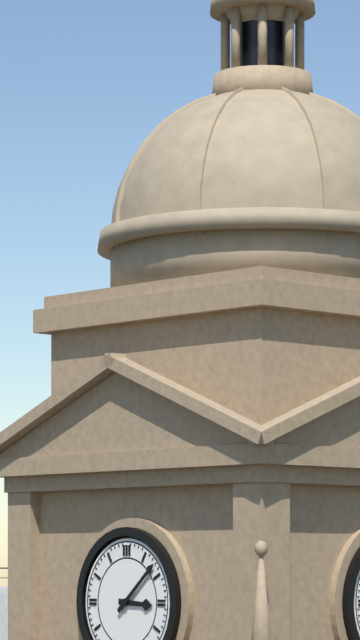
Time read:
3:08
